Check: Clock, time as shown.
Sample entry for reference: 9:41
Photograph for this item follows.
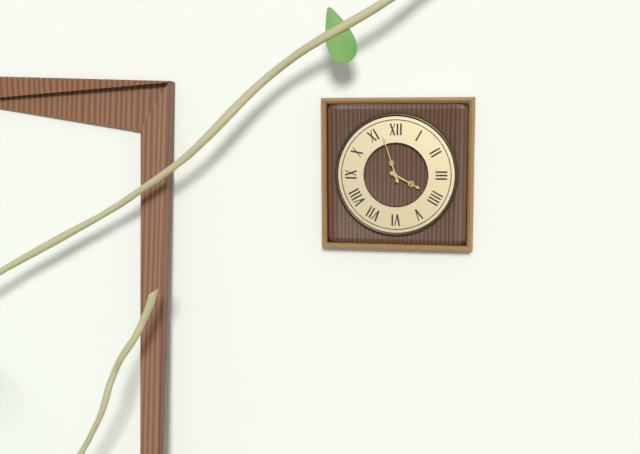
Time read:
3:57
